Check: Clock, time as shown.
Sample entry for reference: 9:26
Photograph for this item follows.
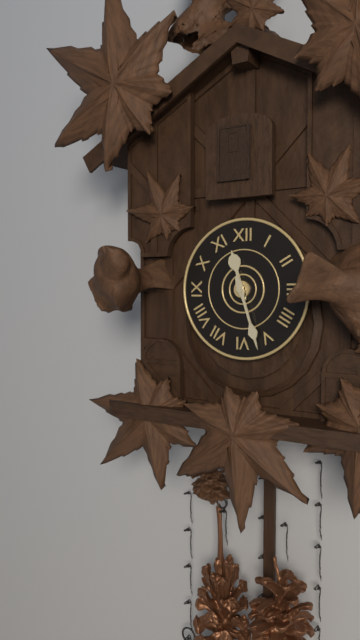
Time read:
11:27
